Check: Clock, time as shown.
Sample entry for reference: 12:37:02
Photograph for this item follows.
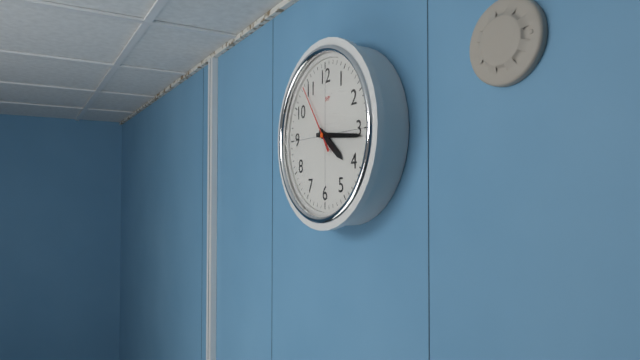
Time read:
4:16:54
